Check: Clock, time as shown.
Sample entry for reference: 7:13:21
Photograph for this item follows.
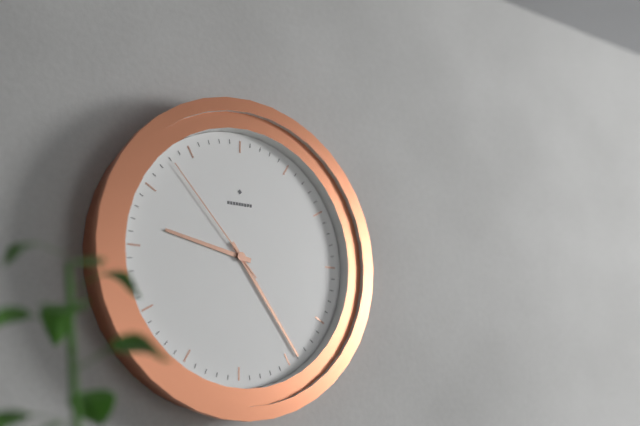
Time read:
9:24:53
